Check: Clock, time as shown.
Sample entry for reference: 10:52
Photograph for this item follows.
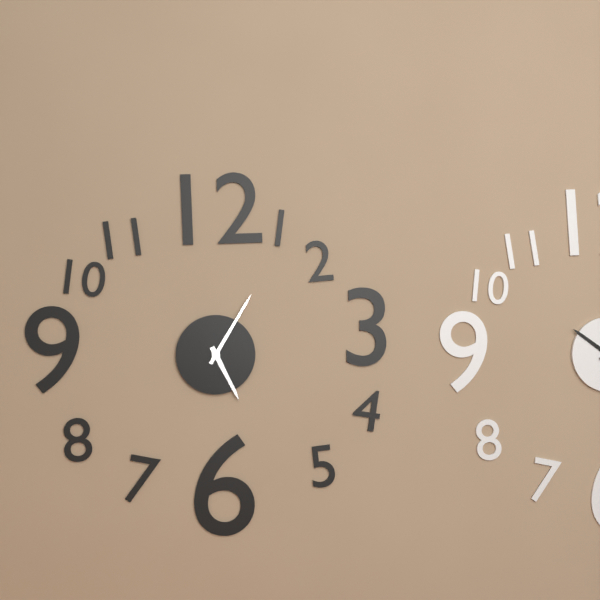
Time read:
5:05
